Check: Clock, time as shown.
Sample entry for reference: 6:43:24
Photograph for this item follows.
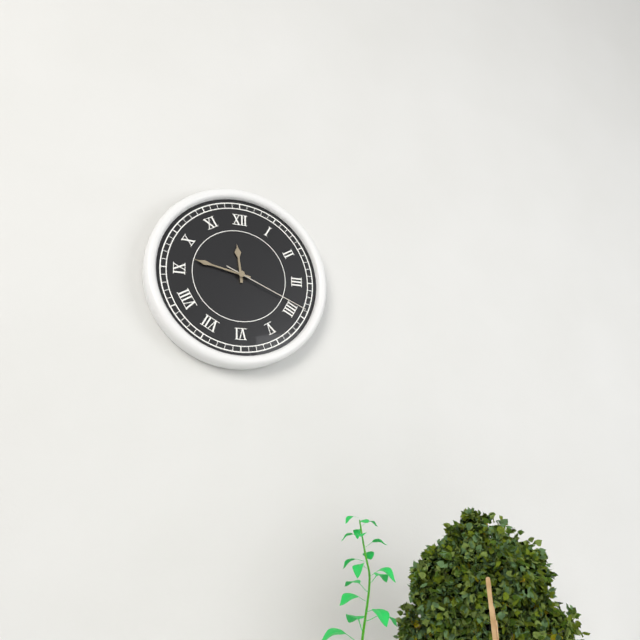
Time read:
11:47:19
